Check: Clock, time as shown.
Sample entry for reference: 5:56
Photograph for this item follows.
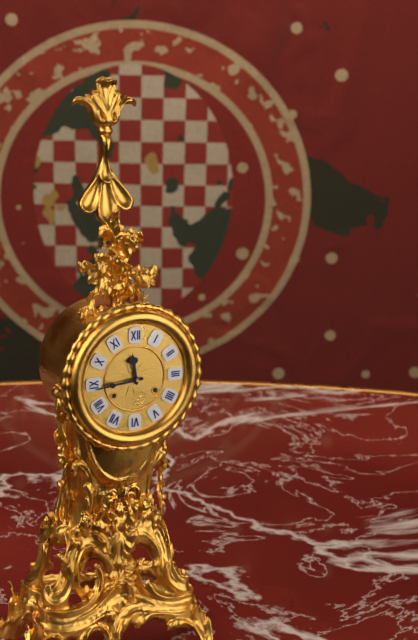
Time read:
11:44
